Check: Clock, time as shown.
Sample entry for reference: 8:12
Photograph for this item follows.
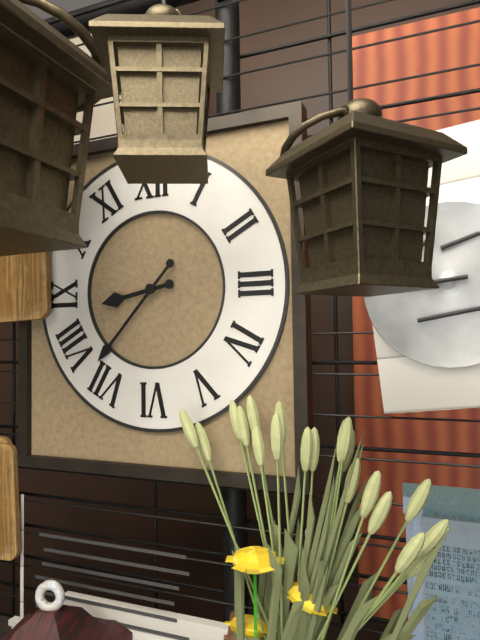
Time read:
8:37
